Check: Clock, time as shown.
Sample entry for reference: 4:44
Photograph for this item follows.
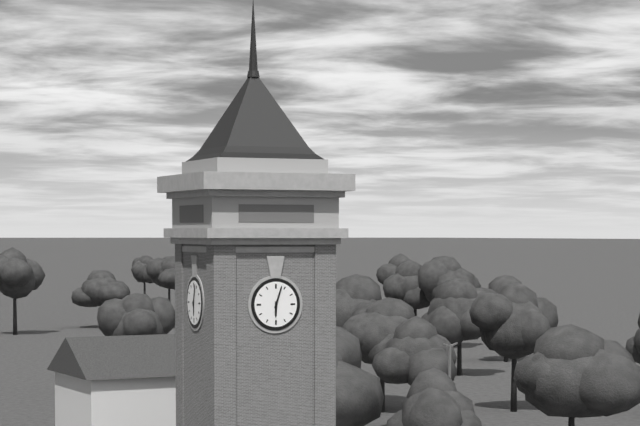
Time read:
6:03
